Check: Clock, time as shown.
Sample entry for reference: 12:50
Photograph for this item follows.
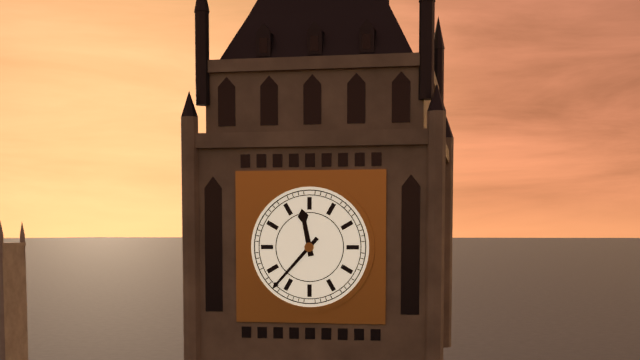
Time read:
11:37
